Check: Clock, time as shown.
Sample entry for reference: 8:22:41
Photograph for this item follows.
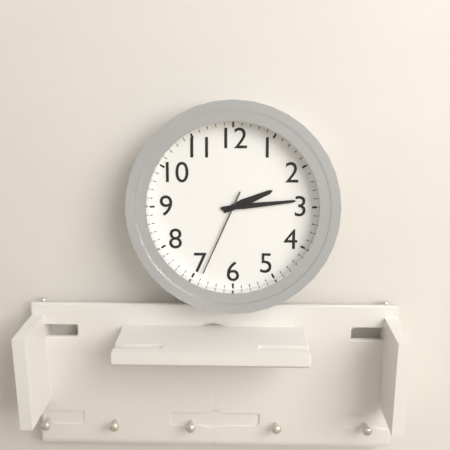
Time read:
2:14:34
